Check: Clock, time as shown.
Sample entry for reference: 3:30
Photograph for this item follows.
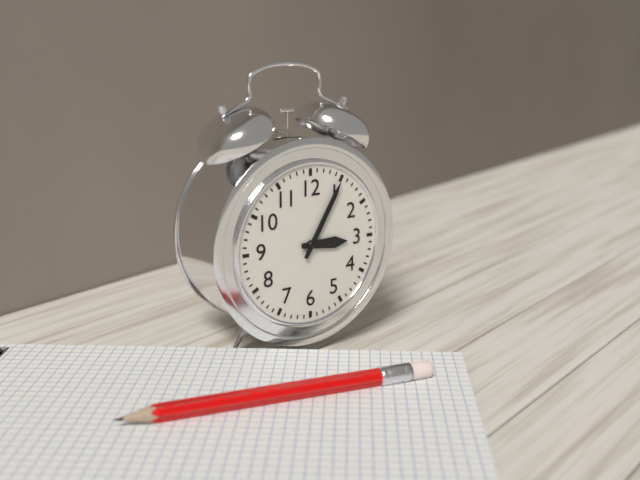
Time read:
3:05
